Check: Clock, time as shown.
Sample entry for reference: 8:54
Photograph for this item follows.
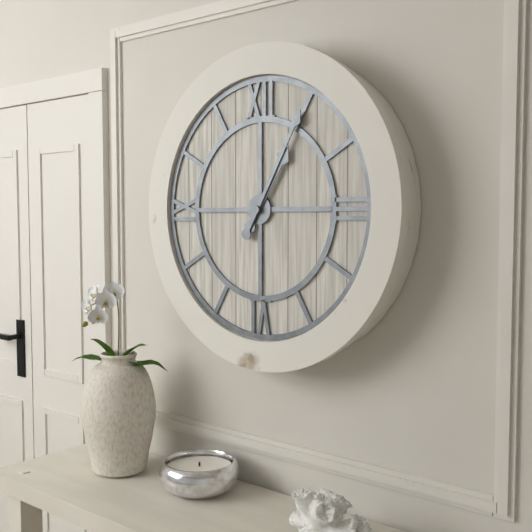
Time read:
1:05
